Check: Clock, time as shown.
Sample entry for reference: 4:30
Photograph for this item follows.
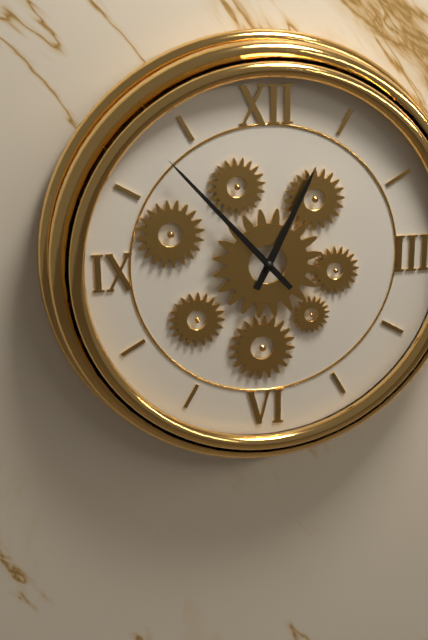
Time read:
12:53
